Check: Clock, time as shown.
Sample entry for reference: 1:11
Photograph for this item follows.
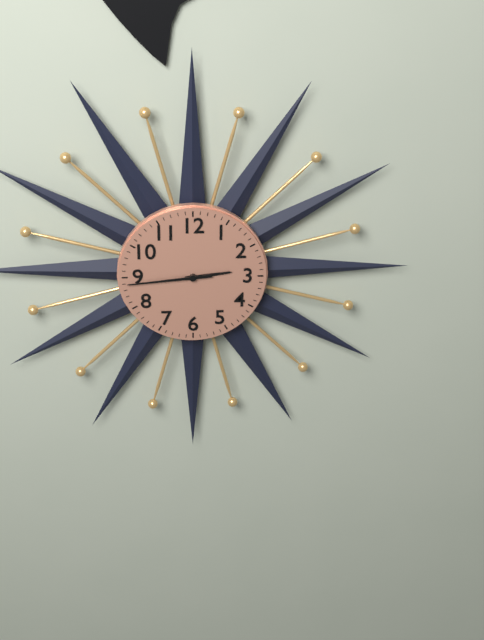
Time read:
2:44
